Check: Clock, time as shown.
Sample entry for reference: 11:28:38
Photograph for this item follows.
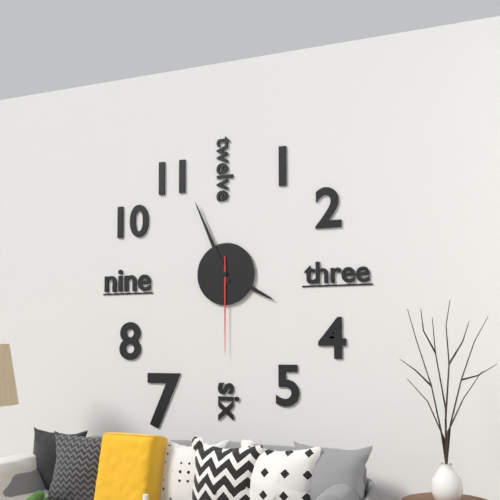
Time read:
3:56:30
